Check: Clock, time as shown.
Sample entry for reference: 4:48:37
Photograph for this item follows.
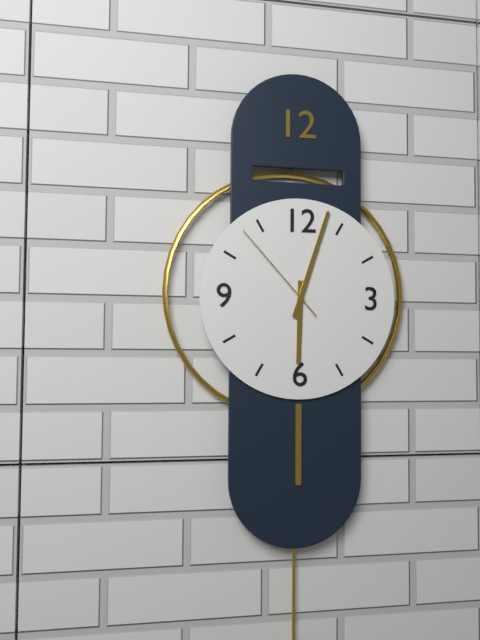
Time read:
6:03:53
